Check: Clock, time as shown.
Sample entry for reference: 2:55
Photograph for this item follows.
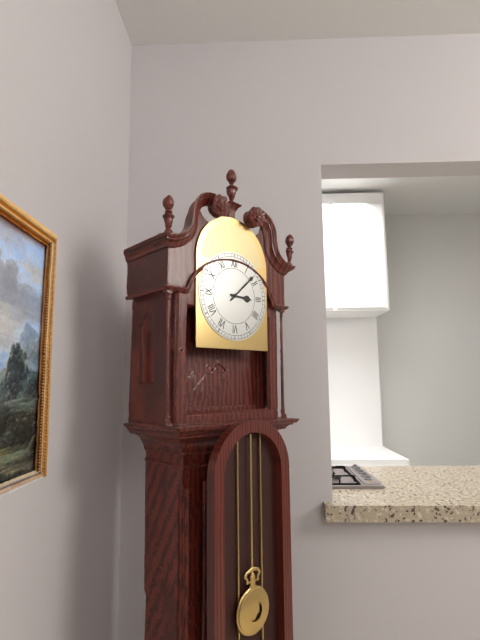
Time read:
3:08
